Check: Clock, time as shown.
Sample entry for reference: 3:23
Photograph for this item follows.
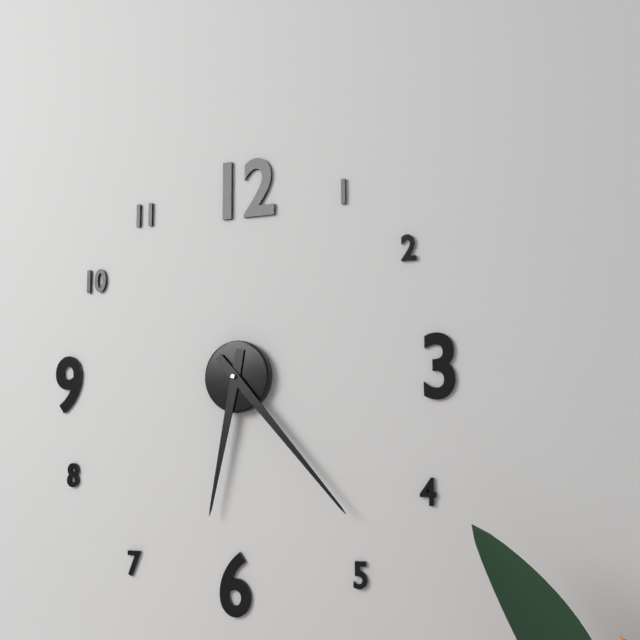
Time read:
6:23
